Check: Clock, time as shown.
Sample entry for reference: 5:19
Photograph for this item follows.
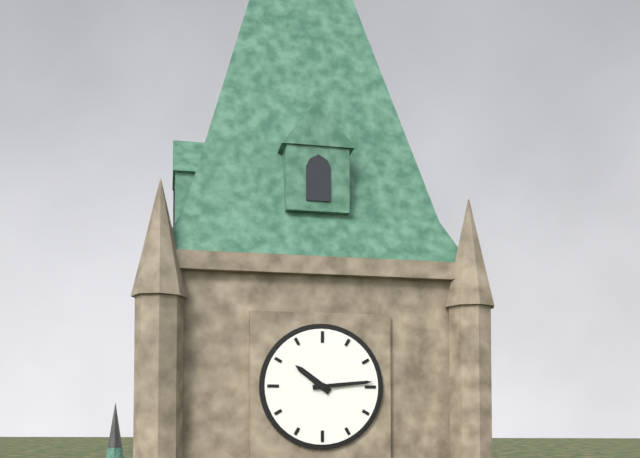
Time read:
10:14
